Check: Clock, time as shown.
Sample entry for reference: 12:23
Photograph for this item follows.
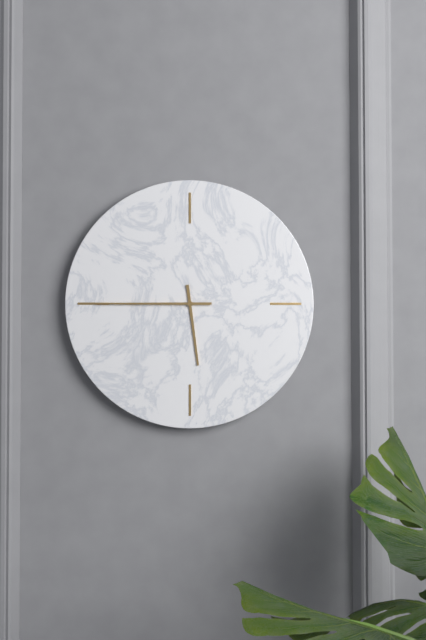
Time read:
5:45
